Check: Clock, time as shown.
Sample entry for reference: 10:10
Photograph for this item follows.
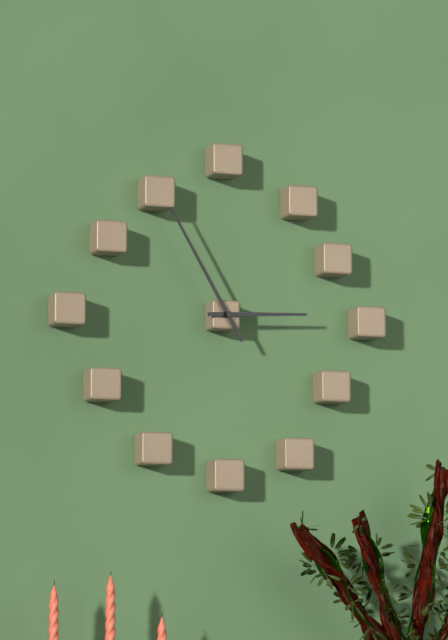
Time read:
2:55
